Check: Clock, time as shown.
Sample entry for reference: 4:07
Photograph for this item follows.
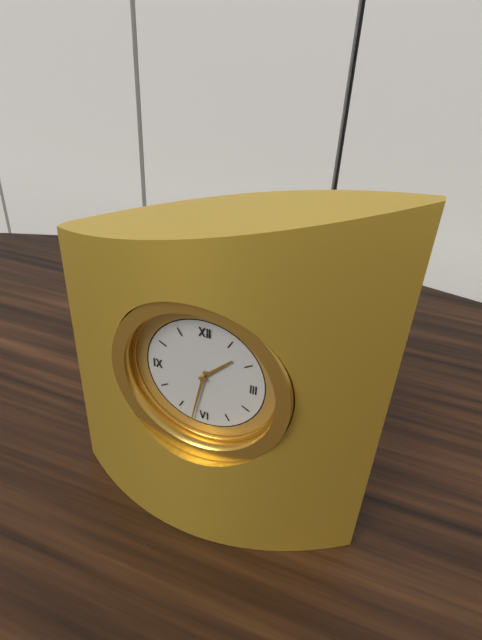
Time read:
1:32
